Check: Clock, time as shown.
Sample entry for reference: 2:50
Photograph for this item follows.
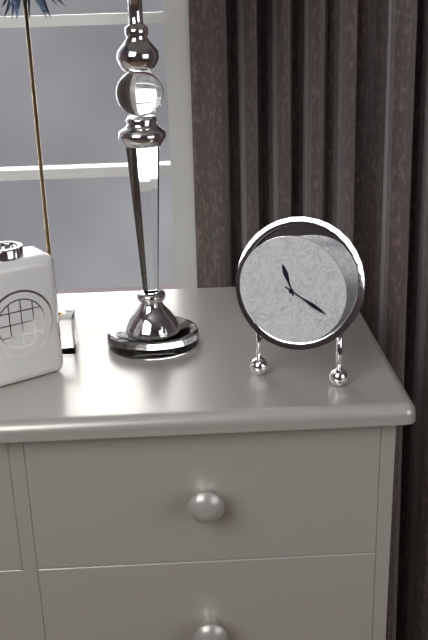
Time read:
11:20
